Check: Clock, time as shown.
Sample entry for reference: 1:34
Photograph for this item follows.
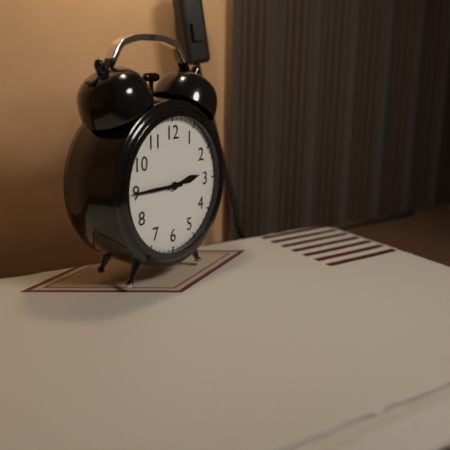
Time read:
2:45
